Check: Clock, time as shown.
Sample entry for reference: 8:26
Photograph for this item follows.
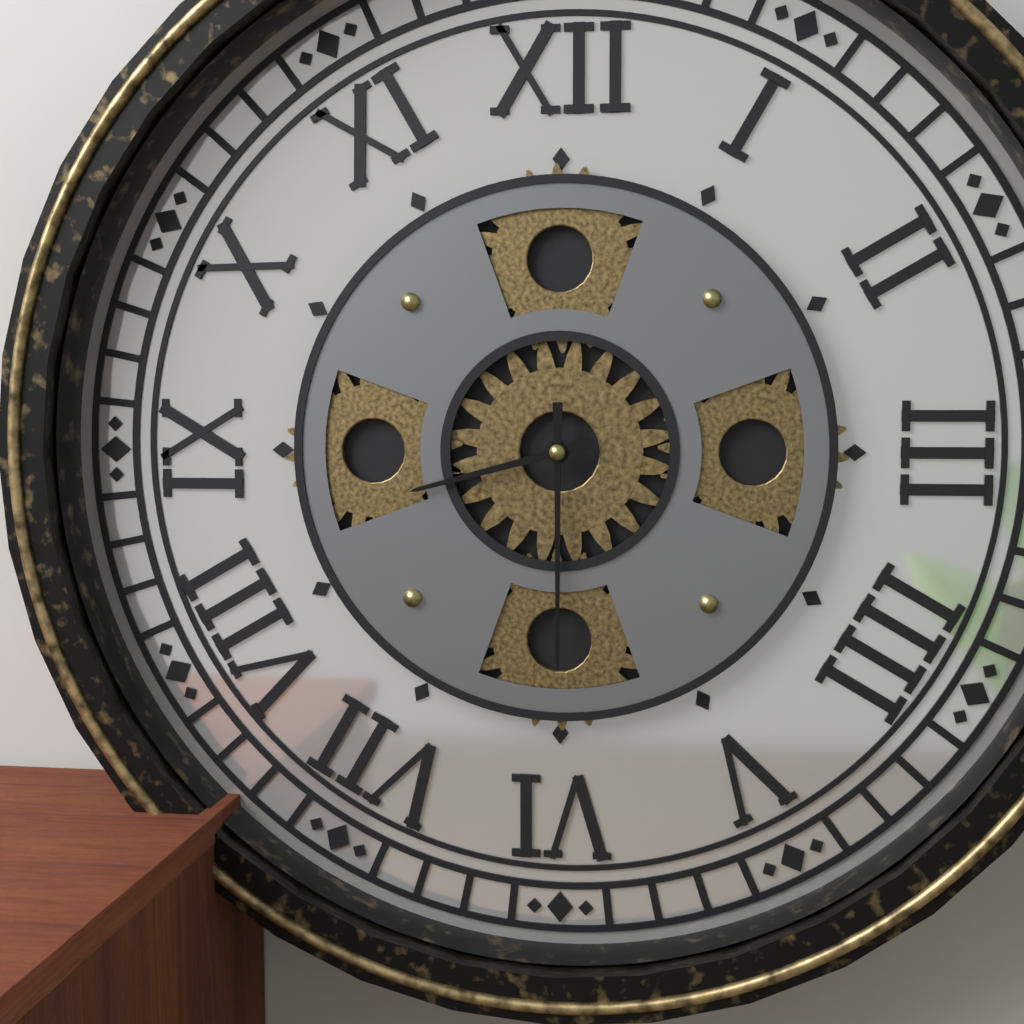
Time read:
8:30
